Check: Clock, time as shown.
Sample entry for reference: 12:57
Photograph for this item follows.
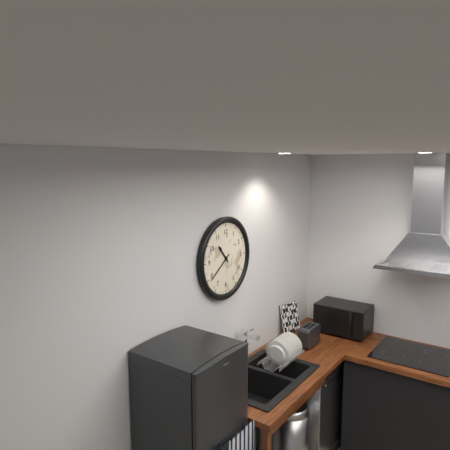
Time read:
10:39
